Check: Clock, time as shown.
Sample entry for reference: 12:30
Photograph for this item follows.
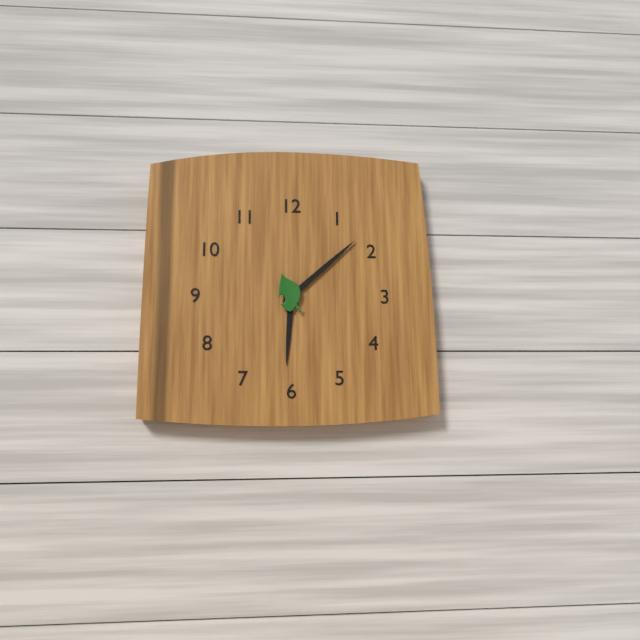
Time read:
6:08
